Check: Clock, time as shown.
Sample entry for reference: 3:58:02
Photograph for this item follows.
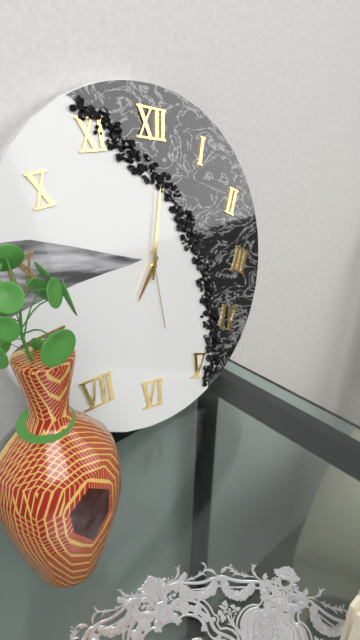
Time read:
7:01:28
